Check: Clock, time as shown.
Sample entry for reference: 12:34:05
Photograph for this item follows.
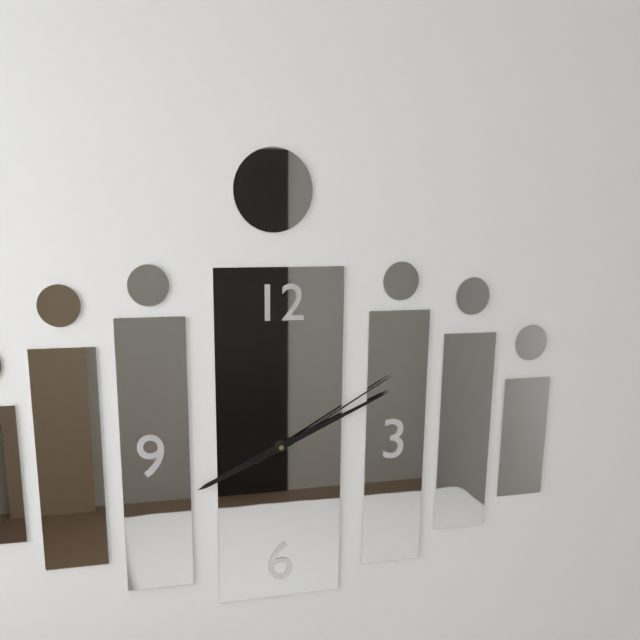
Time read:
8:11:10
